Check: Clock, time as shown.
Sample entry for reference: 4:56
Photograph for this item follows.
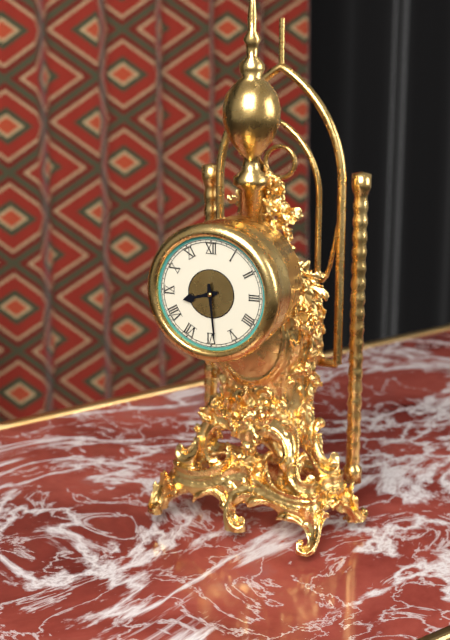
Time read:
8:29
